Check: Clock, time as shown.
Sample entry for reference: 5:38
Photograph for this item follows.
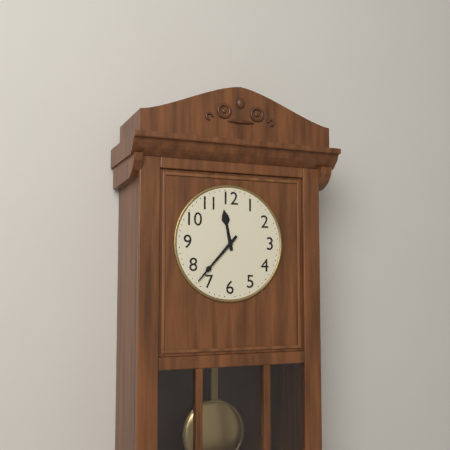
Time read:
11:37
